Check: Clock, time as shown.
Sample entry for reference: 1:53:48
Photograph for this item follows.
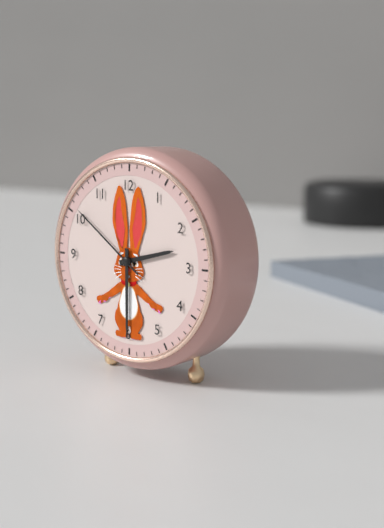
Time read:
2:30:51
